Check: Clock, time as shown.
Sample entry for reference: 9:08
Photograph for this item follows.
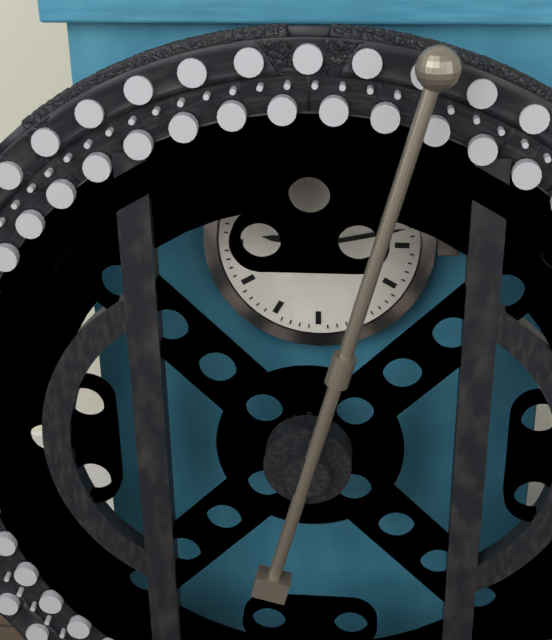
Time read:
9:13
